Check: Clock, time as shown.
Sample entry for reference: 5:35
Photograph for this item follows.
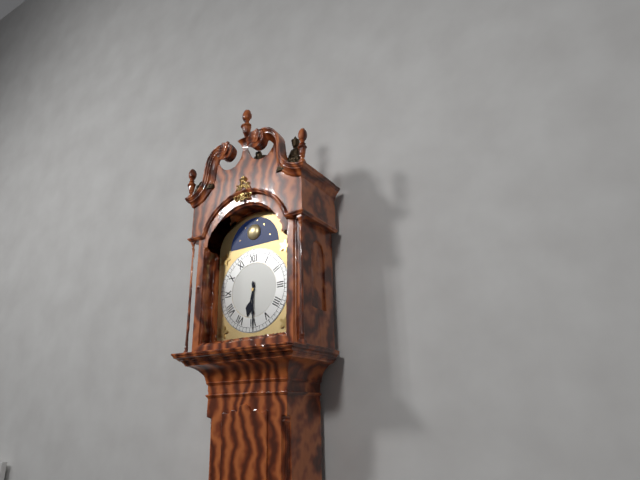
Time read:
6:30
